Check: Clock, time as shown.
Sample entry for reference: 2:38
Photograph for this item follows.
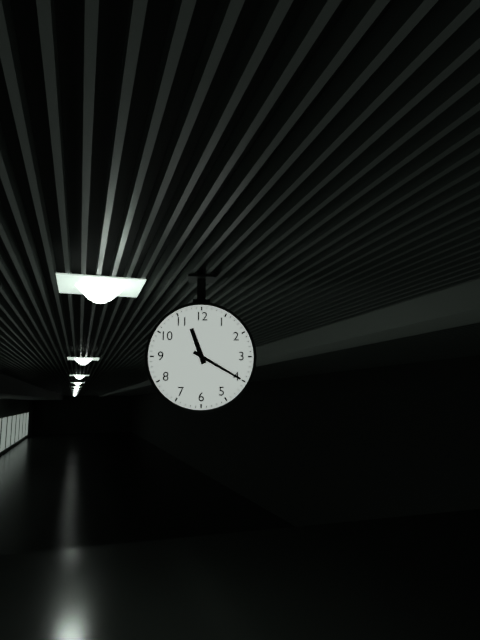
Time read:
11:20
